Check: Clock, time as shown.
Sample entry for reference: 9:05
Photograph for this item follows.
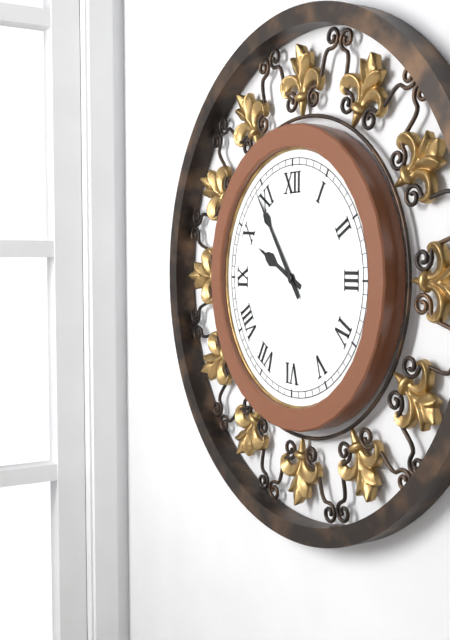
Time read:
9:54
